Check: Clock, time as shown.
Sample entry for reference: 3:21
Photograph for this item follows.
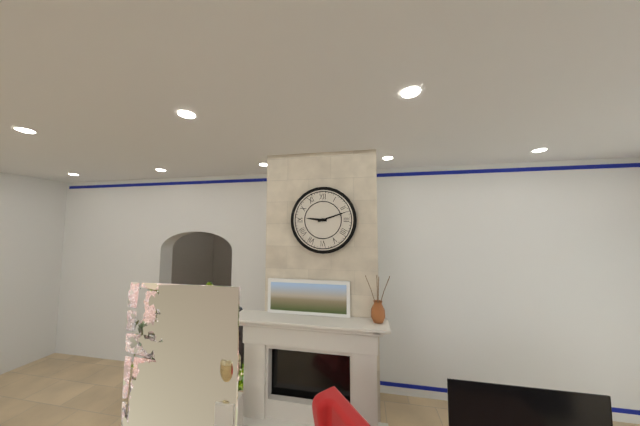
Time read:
9:12
